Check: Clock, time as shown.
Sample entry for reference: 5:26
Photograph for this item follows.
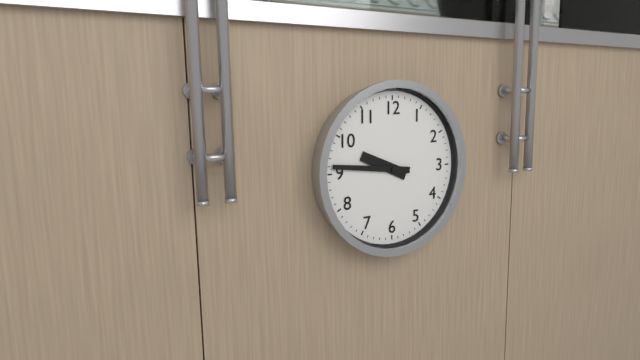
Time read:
9:46
